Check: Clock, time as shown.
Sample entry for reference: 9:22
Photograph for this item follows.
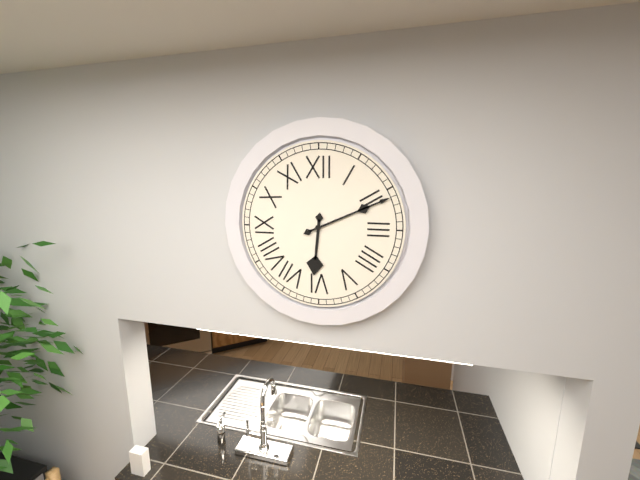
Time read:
6:11
